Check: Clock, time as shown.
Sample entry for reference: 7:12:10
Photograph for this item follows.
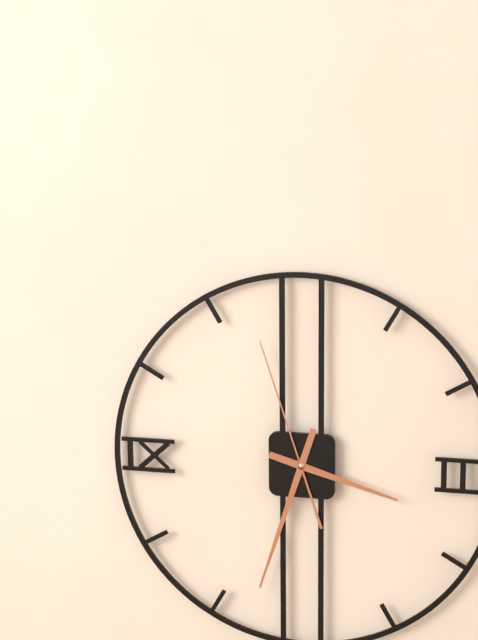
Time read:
3:33:57
